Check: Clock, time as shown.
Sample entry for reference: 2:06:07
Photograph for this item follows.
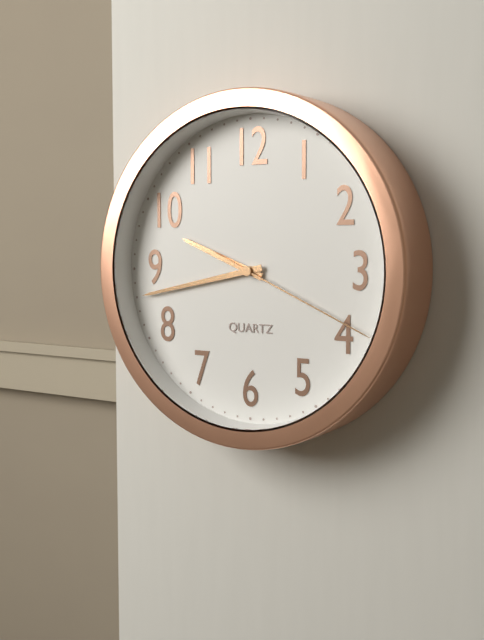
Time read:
9:43:19
